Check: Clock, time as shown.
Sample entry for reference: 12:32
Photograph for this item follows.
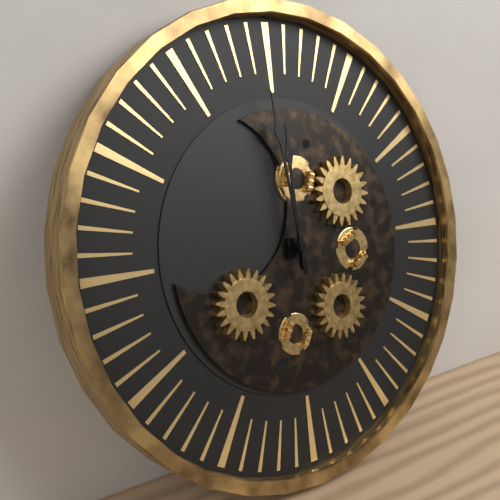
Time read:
11:59
